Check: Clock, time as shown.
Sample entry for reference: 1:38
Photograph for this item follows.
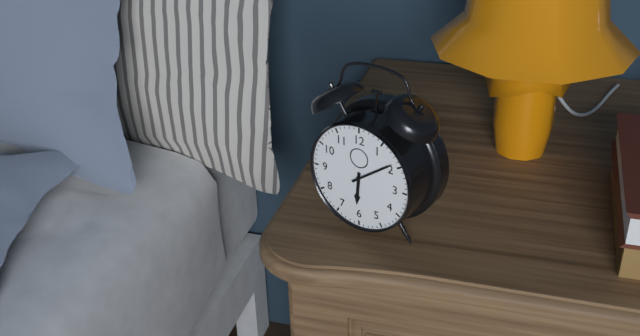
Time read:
6:09
